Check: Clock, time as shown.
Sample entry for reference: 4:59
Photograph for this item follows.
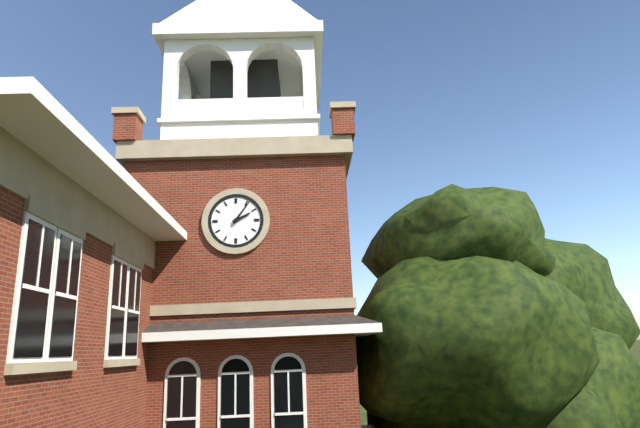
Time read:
2:06
